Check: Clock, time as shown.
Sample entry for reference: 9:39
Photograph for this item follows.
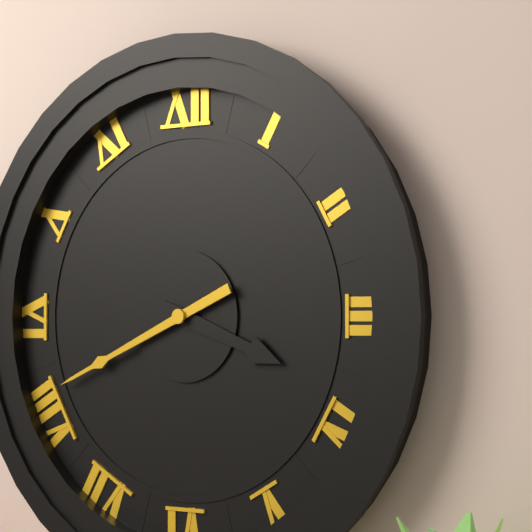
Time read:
3:41
